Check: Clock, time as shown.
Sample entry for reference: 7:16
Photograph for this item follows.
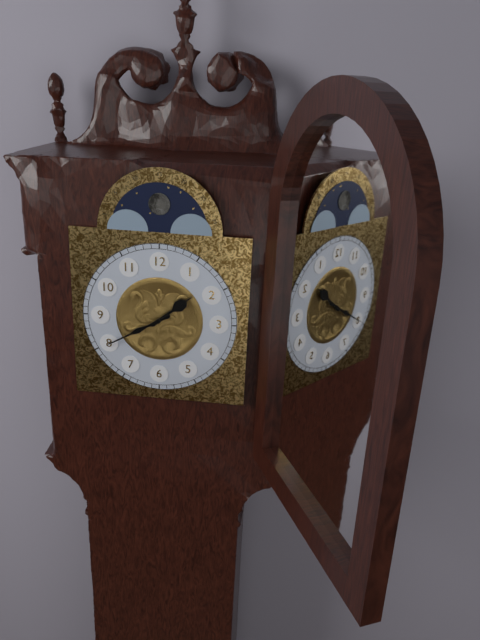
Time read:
1:40
